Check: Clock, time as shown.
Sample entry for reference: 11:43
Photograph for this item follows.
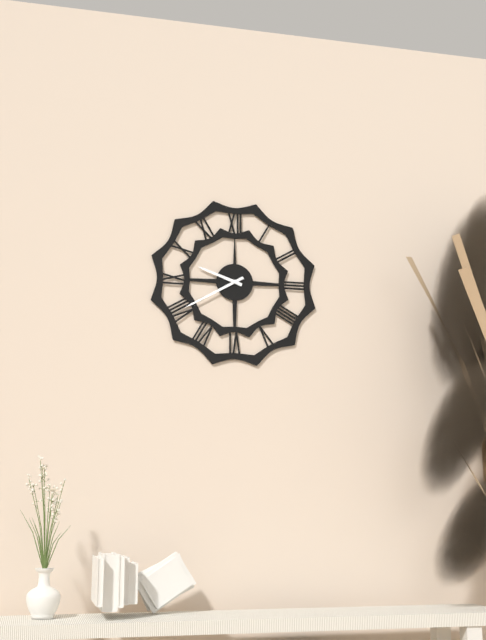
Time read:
9:40
